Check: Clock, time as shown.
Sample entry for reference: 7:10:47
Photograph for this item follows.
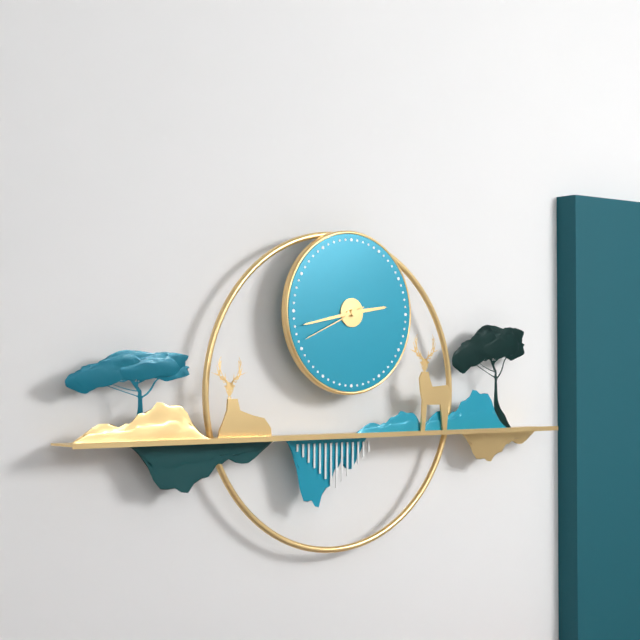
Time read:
2:43:41
